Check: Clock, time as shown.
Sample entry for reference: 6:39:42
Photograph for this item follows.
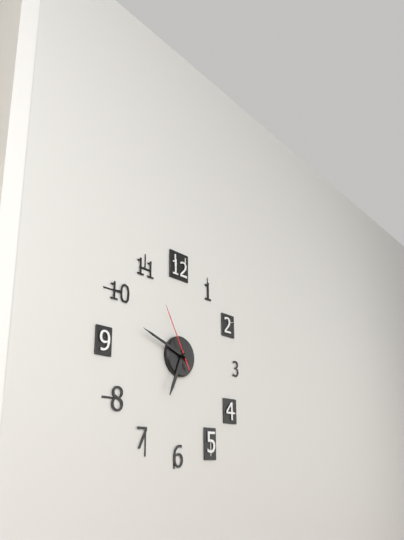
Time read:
6:48:55
